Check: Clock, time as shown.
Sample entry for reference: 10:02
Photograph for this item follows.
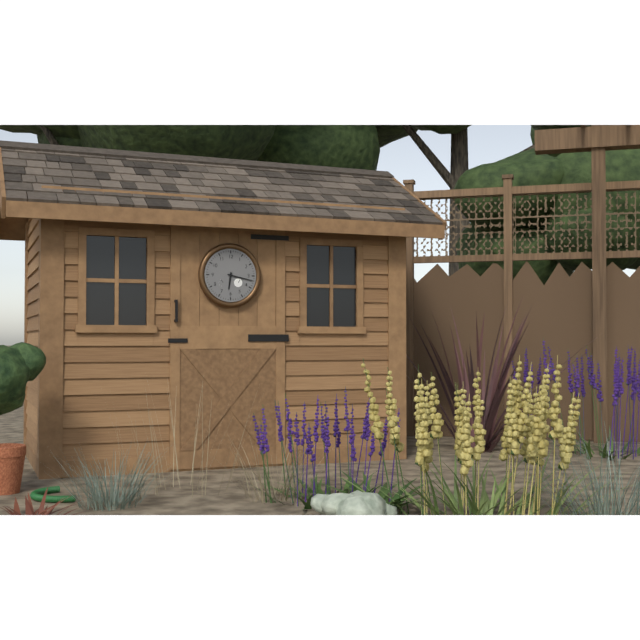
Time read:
6:17
